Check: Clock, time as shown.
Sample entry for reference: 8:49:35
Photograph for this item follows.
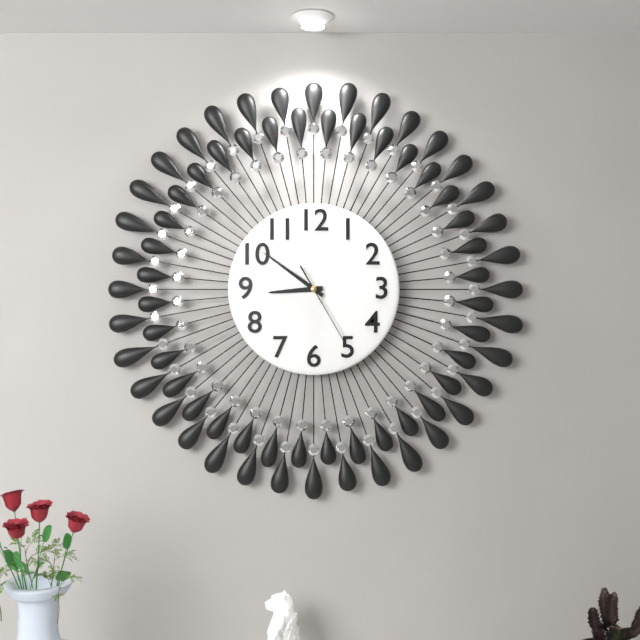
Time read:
8:51:25
